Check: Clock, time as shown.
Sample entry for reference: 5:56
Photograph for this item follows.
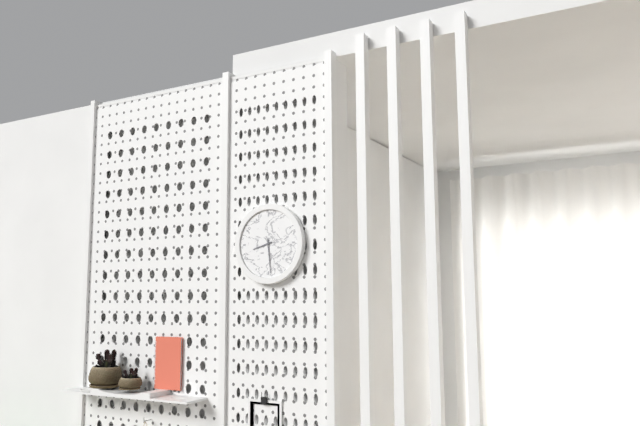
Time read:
8:29
